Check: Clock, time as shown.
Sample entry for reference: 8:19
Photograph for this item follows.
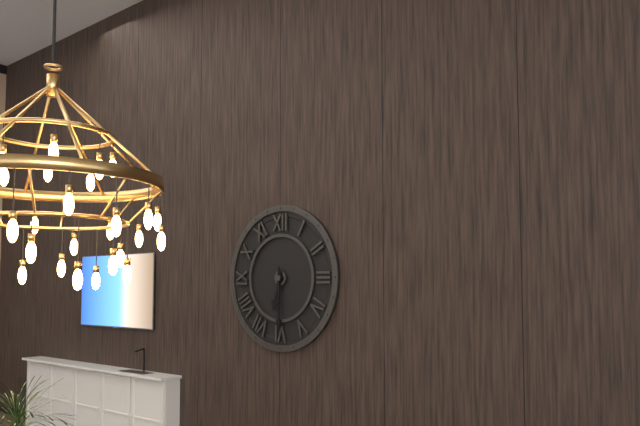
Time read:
6:30
